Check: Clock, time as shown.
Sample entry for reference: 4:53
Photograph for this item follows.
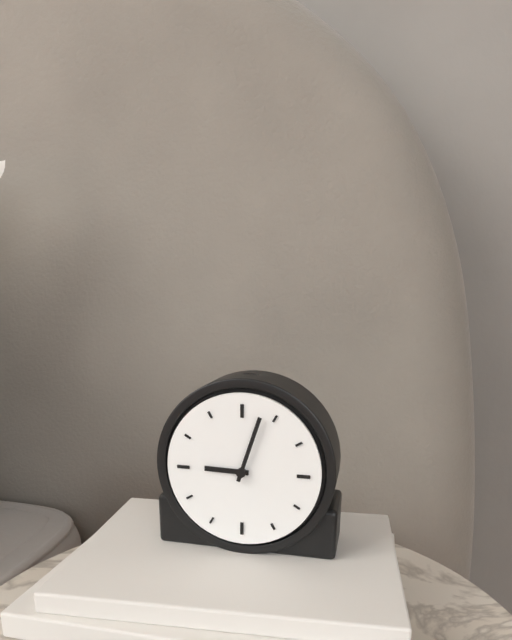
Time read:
9:03
